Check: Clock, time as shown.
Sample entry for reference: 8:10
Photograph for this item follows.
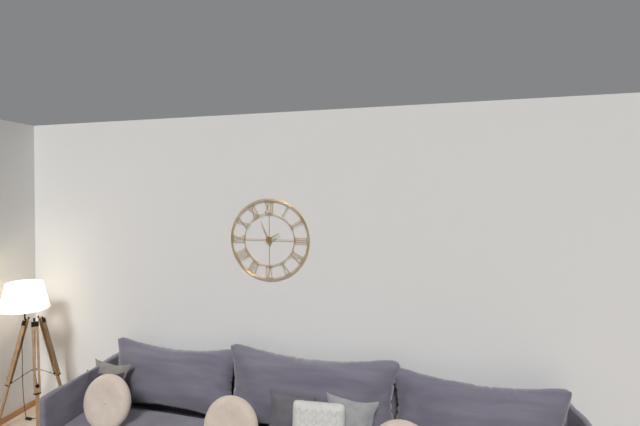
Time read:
1:56
